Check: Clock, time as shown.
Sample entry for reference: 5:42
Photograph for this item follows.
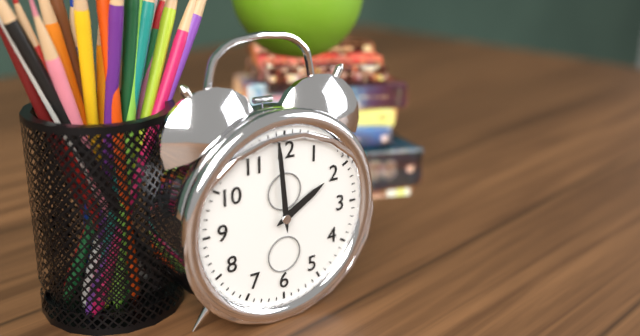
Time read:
1:59
